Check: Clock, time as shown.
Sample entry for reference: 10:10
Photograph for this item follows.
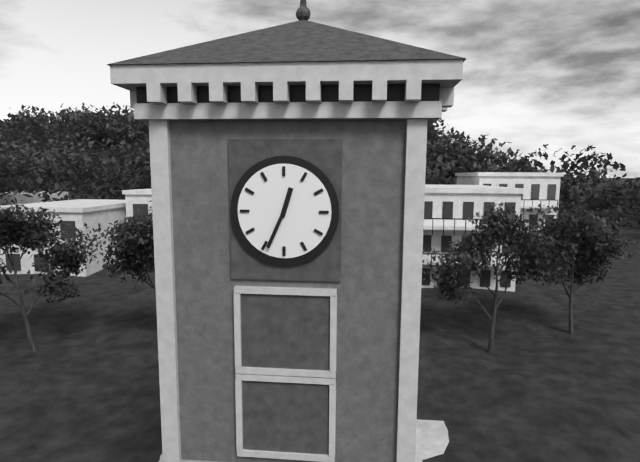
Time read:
12:34
